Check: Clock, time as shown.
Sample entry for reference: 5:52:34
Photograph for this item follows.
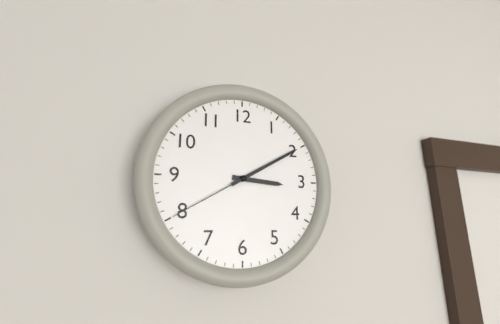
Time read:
3:10:40
